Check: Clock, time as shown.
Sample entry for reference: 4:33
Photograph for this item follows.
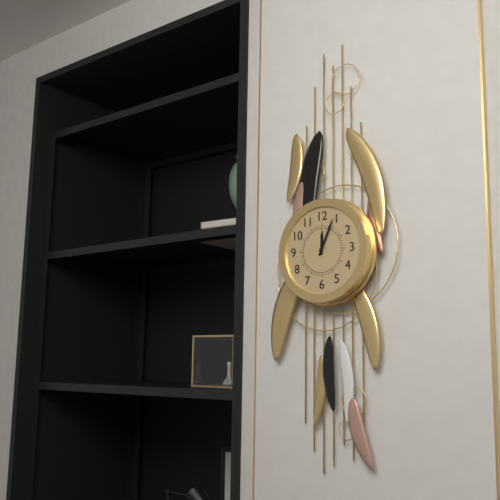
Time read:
12:04
